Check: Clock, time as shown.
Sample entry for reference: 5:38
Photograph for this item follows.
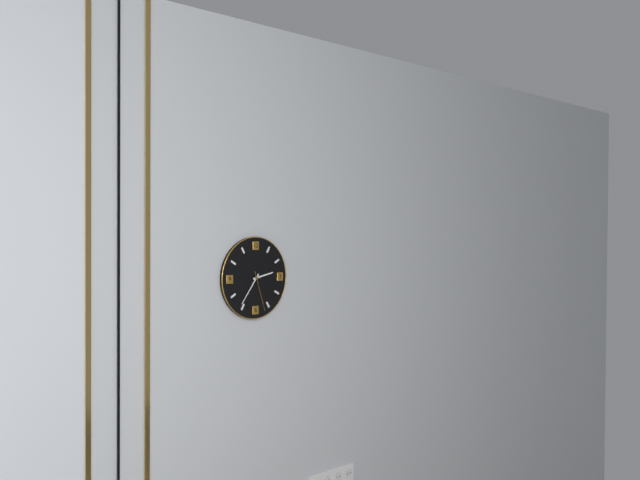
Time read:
2:36
